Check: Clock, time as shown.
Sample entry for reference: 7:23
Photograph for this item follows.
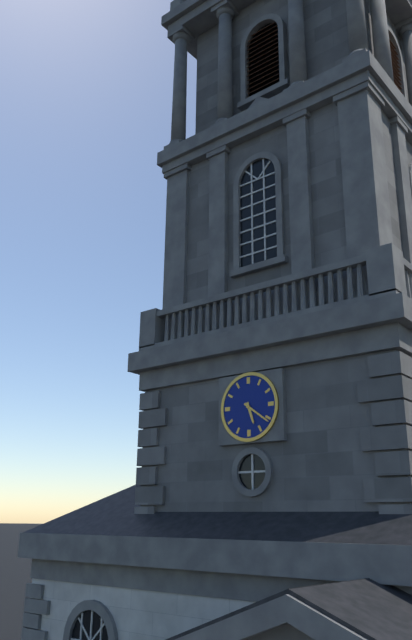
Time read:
5:21
